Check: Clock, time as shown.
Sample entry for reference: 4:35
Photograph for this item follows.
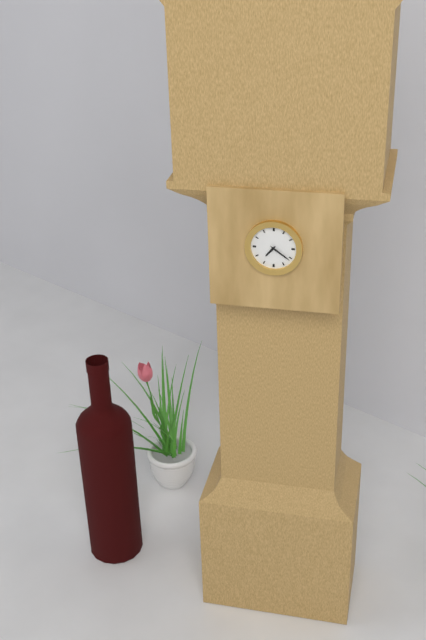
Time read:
7:21
